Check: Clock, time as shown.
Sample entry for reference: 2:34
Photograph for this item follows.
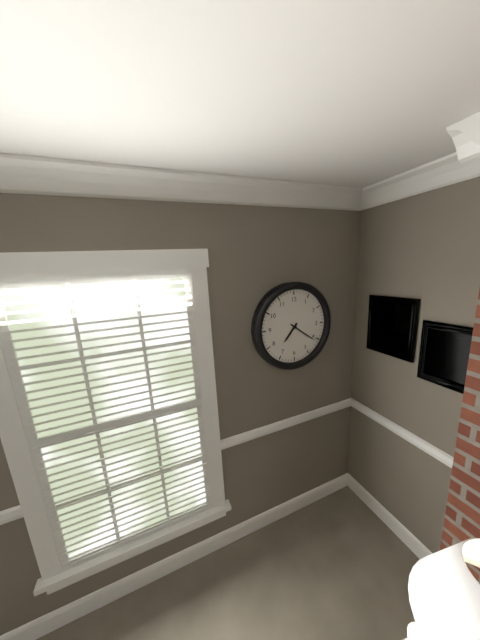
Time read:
7:21
